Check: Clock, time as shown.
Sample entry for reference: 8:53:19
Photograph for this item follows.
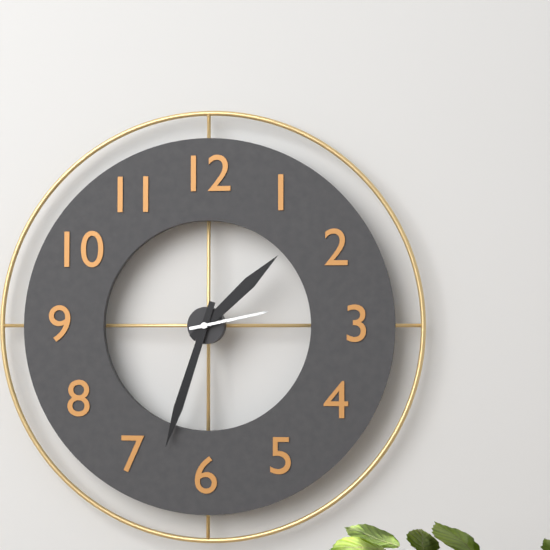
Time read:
1:33:13
